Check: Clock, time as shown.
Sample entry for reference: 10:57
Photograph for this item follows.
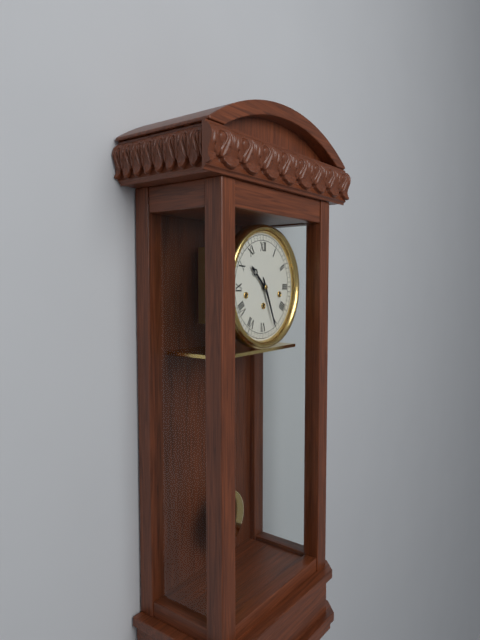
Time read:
10:26
